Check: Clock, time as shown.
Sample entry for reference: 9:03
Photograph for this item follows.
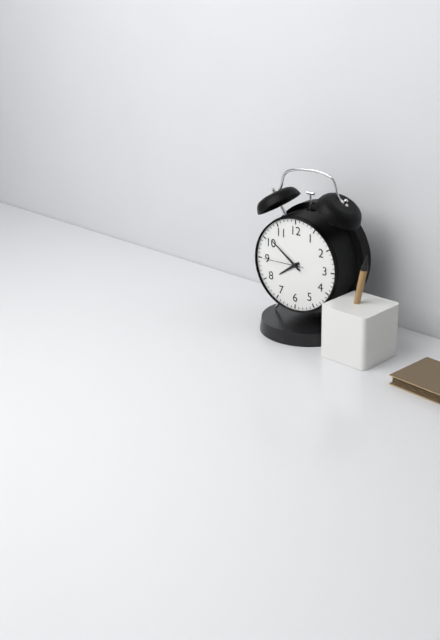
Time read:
7:51
